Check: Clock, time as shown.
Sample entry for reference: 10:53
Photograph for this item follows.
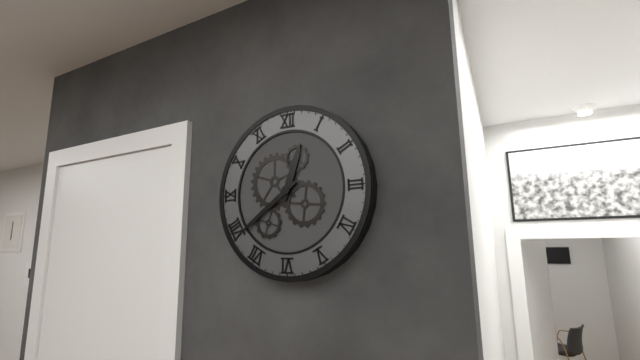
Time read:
12:39
